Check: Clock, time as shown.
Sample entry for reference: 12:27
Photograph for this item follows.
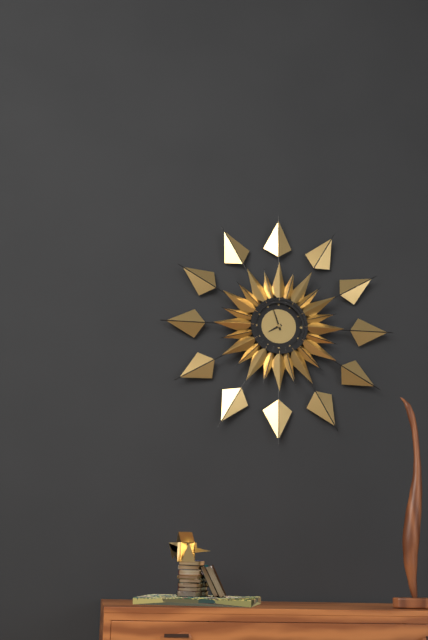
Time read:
7:57
